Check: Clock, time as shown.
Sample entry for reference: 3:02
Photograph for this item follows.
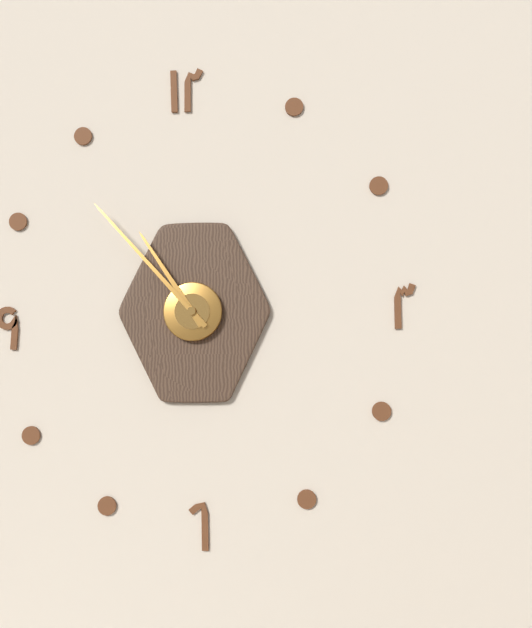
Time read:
10:53
